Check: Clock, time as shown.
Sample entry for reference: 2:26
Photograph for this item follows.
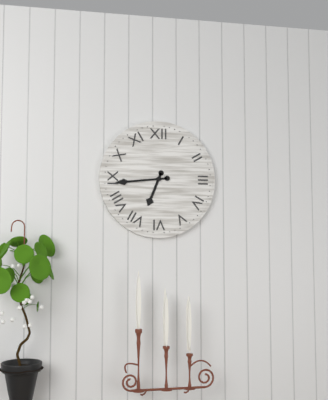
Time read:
6:44
